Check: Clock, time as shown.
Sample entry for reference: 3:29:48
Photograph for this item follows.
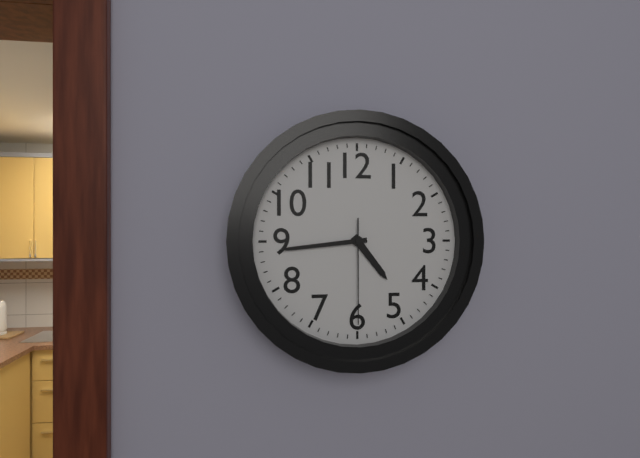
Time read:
4:44:30
